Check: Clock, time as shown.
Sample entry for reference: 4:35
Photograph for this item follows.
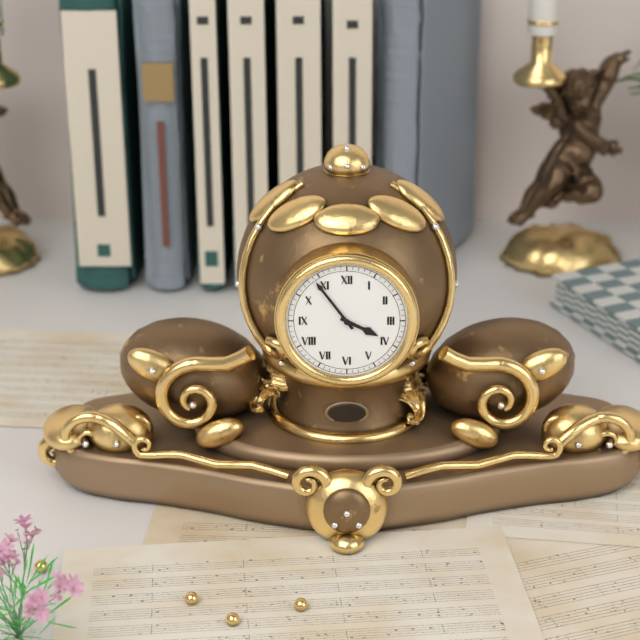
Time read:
3:54
